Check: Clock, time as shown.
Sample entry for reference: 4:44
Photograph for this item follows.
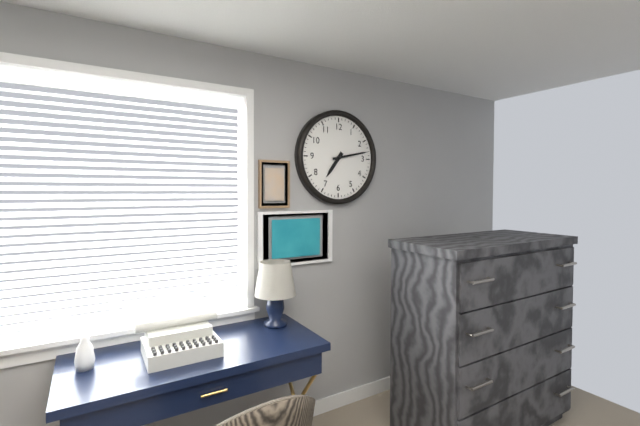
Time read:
7:13
